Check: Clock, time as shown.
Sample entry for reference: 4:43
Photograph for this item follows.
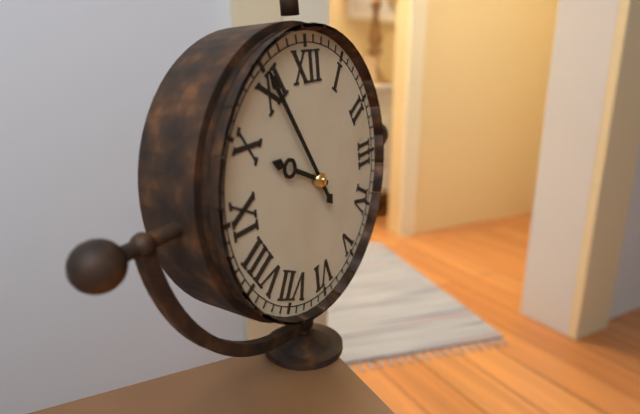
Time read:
9:55
